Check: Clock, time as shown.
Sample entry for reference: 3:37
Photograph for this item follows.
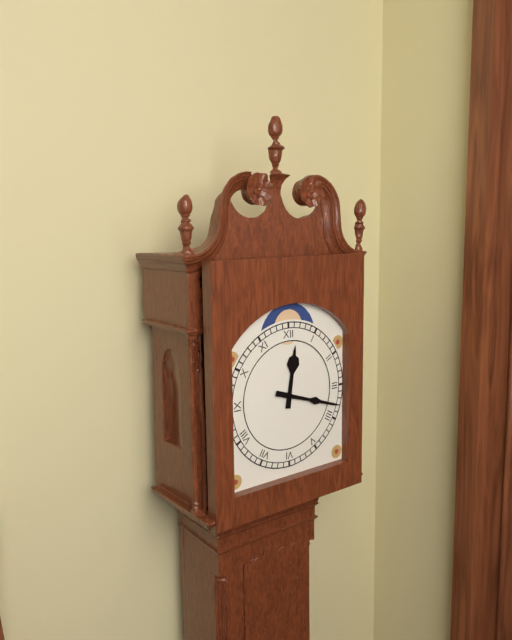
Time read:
12:18
